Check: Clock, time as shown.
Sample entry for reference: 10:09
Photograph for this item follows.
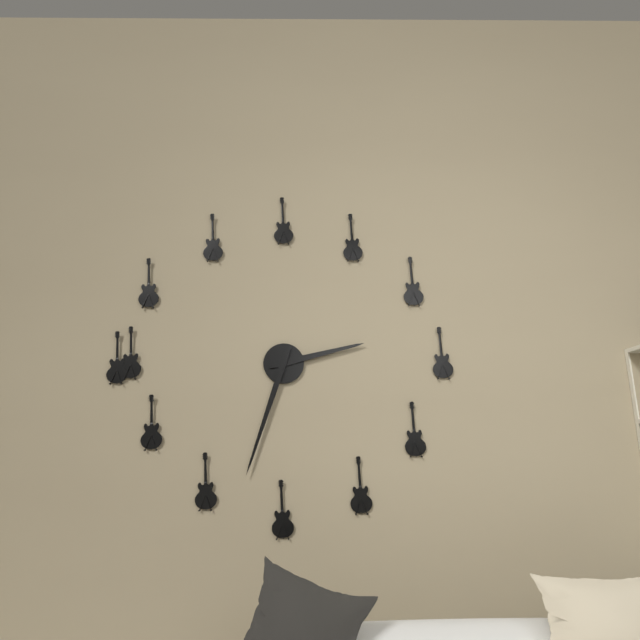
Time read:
2:33
